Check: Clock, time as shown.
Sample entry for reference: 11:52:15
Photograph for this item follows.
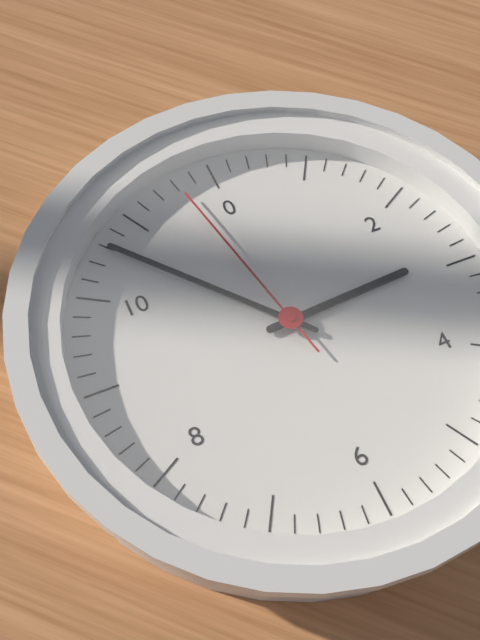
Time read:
2:53:58
